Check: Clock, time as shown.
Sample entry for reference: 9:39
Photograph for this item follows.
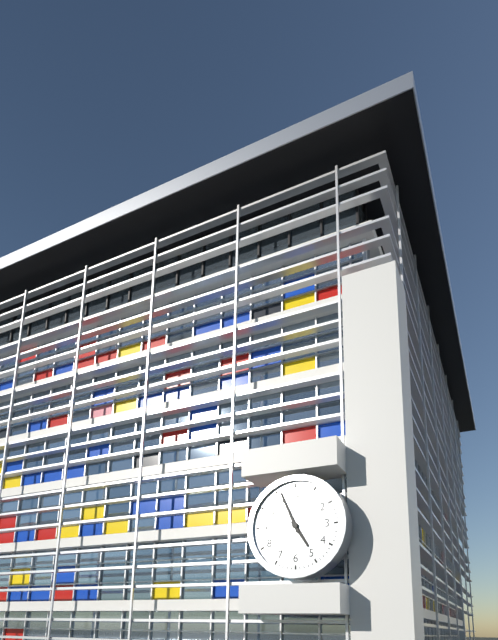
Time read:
4:56
